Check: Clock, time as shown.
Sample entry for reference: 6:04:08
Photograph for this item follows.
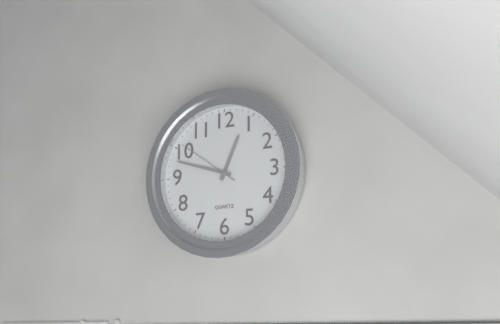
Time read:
12:48:51
